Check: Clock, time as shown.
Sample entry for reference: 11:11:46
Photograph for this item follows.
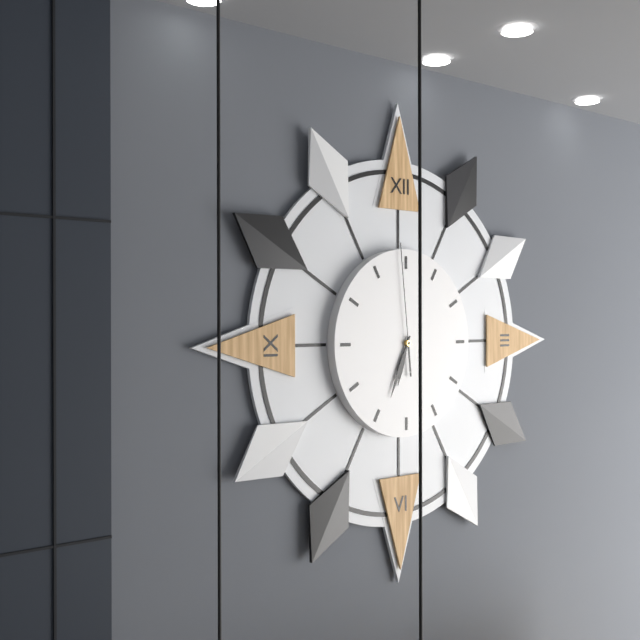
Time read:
6:34:59
